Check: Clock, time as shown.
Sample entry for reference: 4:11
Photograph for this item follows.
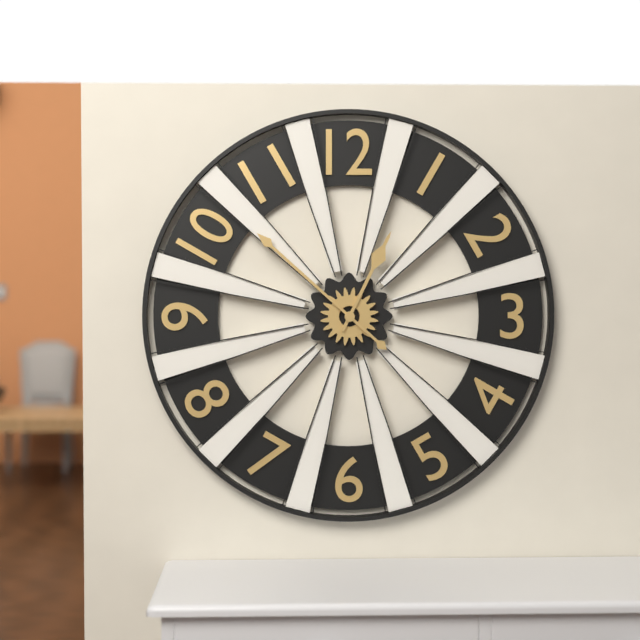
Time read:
12:52
